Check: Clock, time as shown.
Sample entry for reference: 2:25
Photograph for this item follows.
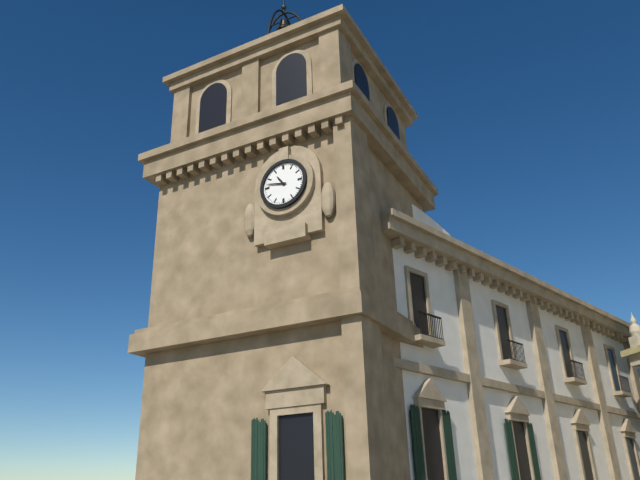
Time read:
10:47
